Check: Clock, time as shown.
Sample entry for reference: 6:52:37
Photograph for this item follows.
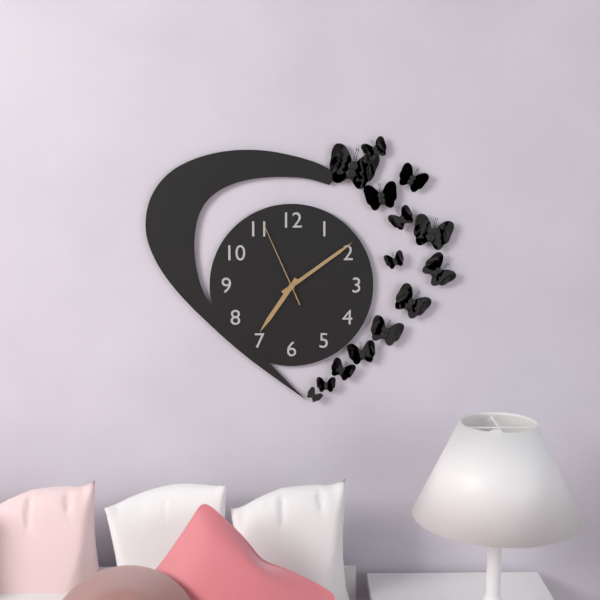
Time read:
7:09:56
